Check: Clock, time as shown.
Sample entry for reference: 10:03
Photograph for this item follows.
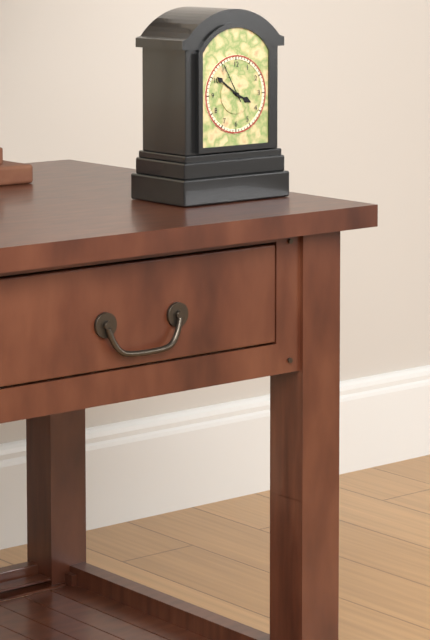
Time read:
3:51
